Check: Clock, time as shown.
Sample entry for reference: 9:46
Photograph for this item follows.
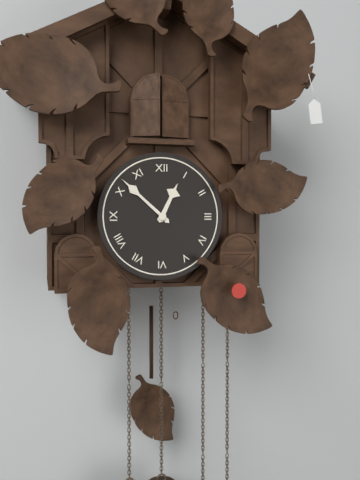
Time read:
12:52
